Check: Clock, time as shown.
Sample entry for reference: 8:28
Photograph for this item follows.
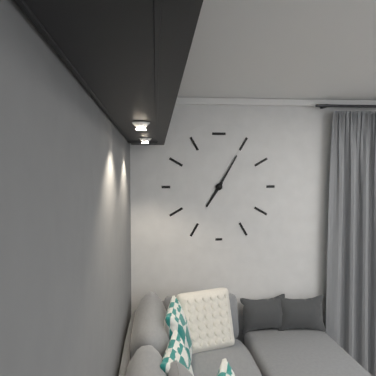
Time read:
7:05
